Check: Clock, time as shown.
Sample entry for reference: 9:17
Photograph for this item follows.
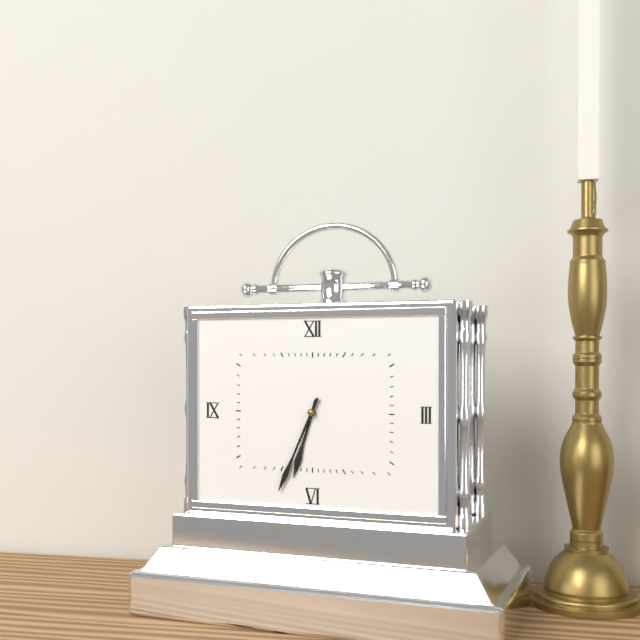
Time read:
6:34
